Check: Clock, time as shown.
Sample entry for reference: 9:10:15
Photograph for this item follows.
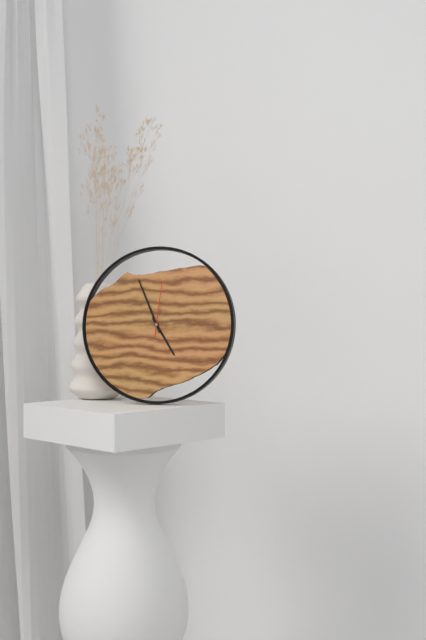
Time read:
4:56:01
